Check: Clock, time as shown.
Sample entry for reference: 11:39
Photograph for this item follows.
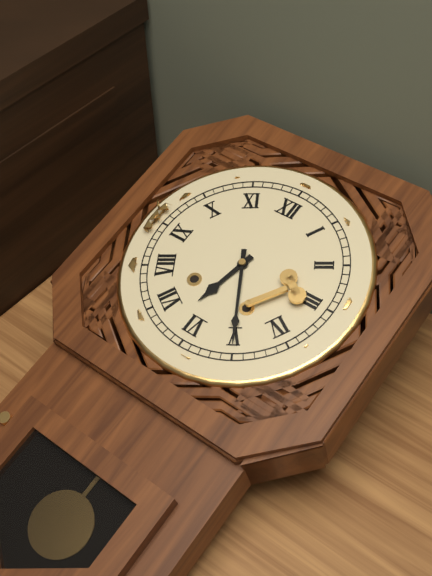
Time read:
6:25
